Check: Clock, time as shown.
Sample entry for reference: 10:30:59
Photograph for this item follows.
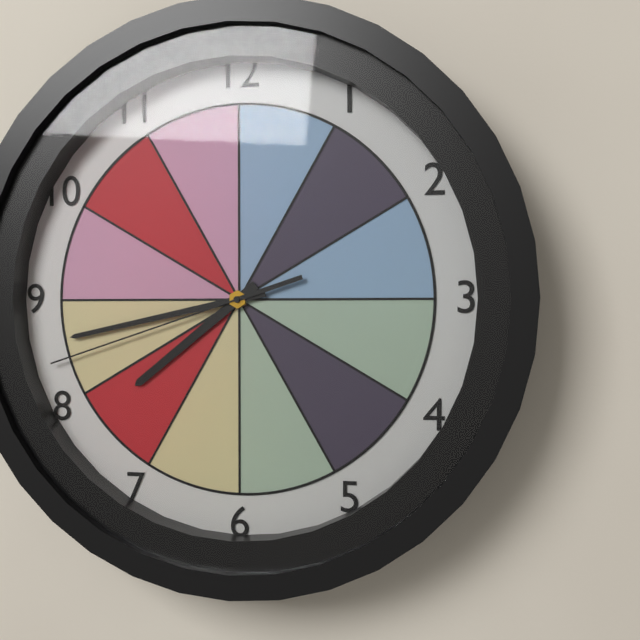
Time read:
7:43:42
